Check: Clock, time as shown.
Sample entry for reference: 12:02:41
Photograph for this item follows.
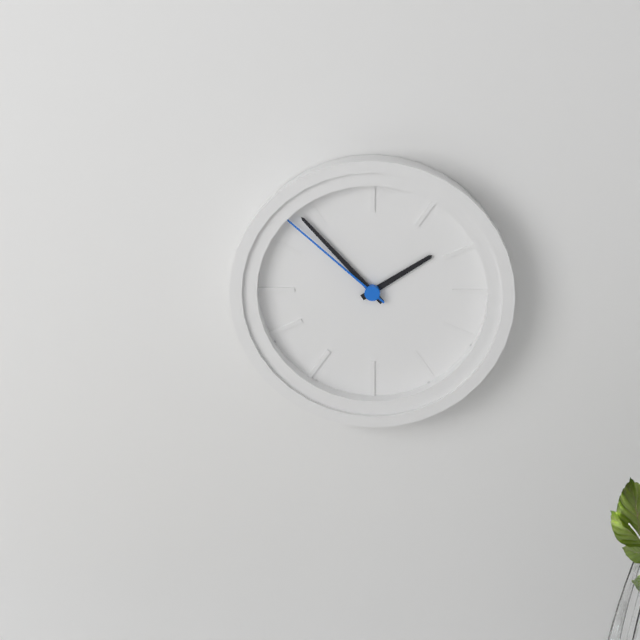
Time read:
1:53:52
